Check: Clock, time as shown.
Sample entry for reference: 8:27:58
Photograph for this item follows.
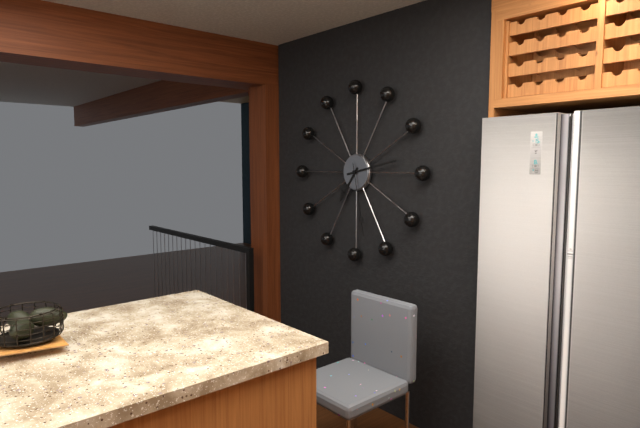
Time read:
7:13:28
